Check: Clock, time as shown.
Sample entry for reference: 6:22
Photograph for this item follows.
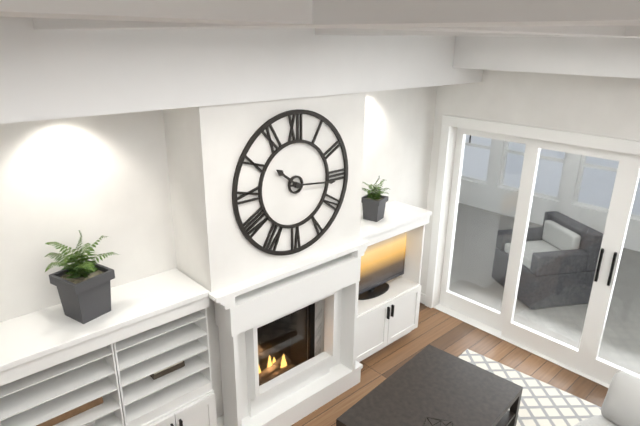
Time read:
10:16
